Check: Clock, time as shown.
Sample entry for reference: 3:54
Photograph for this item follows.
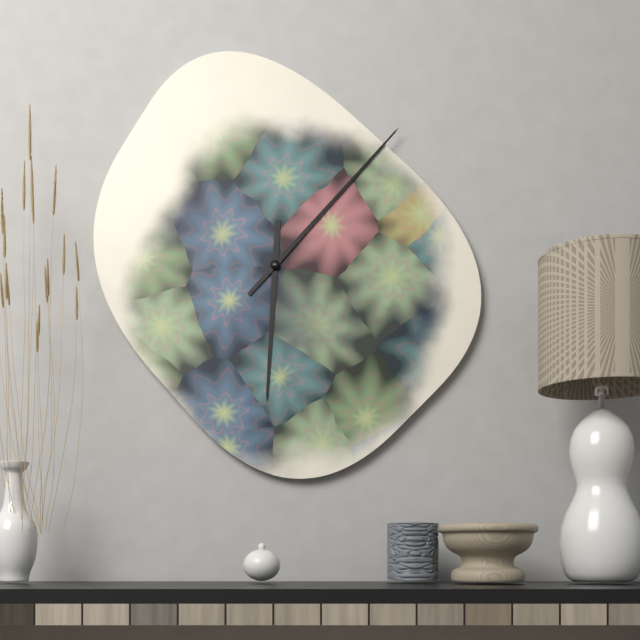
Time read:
6:07
